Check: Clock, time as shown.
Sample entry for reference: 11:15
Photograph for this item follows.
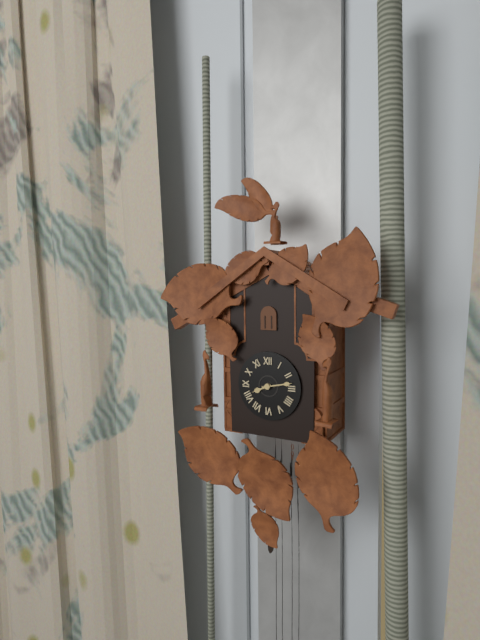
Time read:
8:13
